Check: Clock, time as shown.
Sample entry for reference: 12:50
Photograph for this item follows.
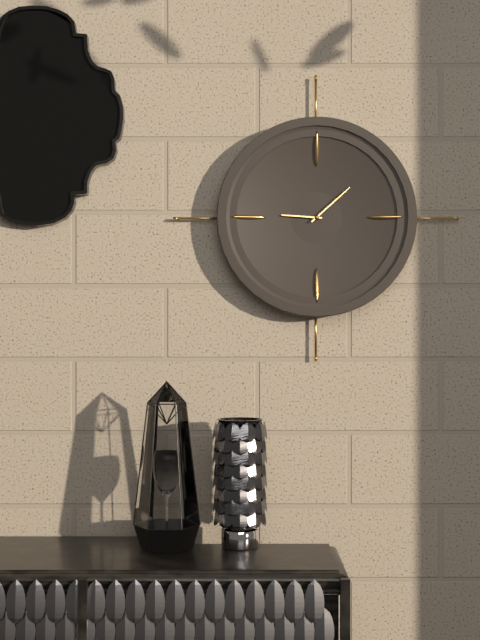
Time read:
9:08
